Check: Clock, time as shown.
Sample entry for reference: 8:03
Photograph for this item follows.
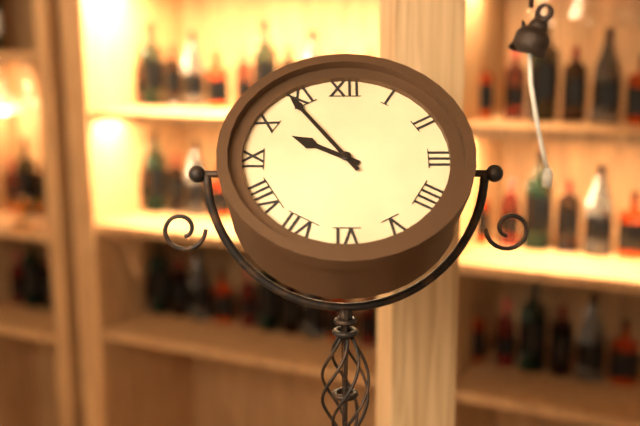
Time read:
9:54
